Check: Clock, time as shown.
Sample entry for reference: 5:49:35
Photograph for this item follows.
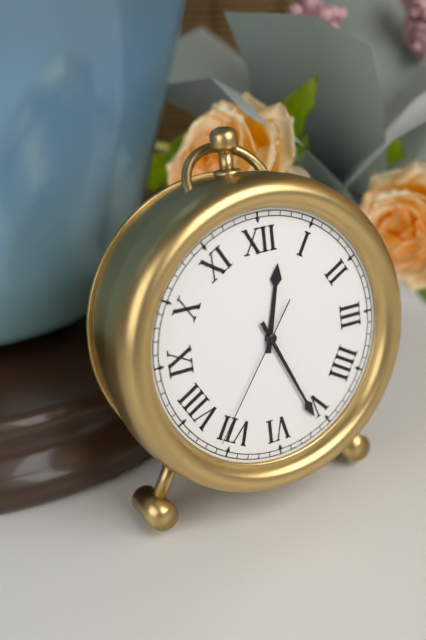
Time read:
12:26:36
